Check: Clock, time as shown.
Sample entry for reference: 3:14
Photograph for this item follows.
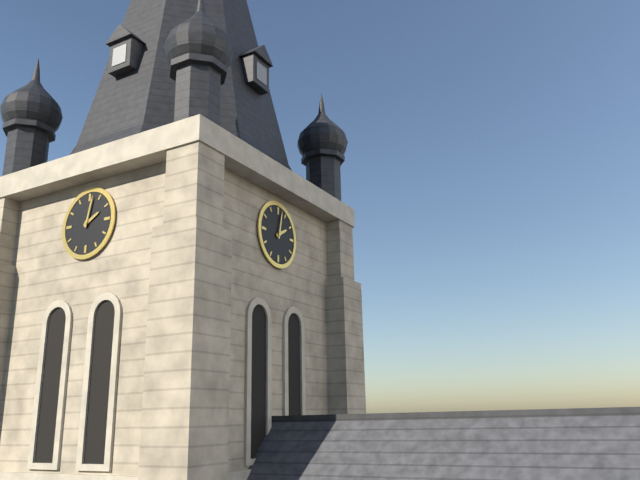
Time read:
2:02
